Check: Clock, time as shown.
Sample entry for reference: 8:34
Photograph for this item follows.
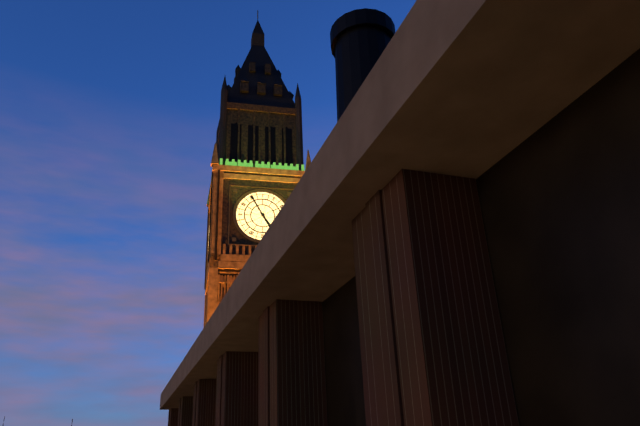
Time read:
4:55
